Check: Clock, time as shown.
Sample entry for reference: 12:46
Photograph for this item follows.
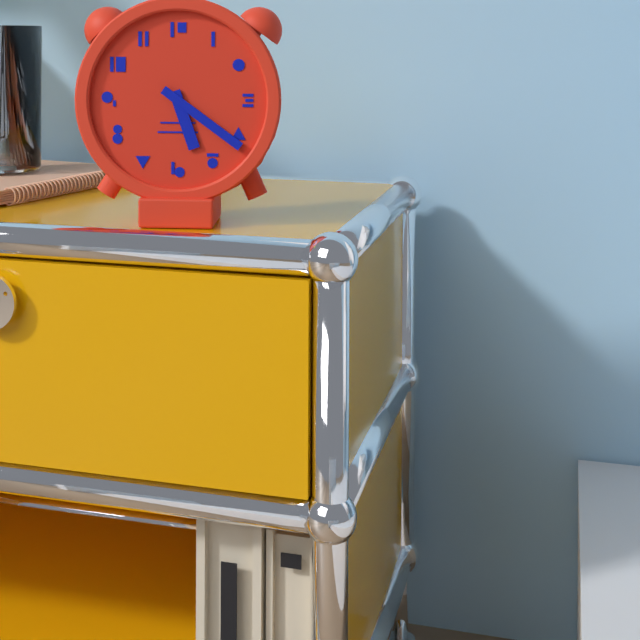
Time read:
5:21
